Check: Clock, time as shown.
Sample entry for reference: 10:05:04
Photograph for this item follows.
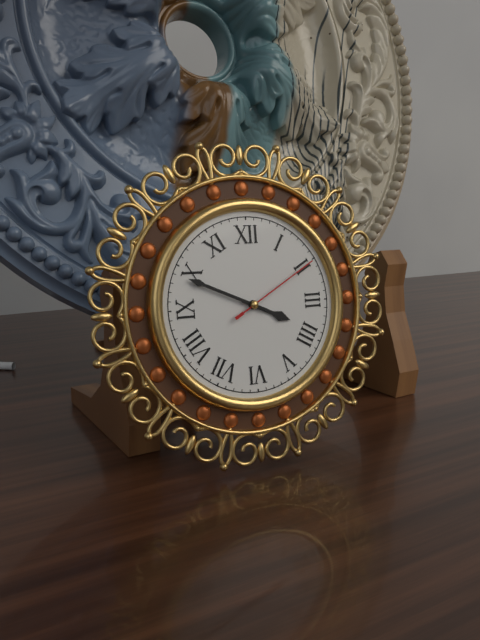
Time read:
3:49:10
